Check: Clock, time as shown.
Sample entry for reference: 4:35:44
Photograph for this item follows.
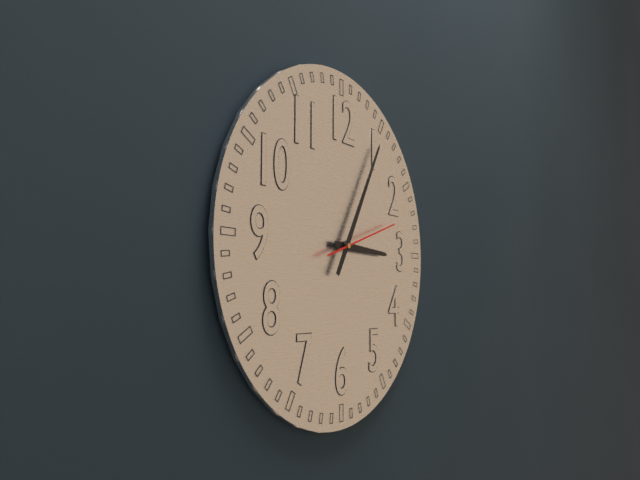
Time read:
3:05:12
